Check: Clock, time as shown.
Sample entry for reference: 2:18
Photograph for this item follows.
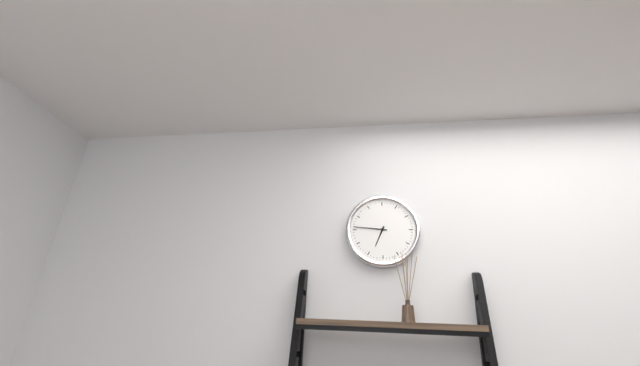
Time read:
6:46
